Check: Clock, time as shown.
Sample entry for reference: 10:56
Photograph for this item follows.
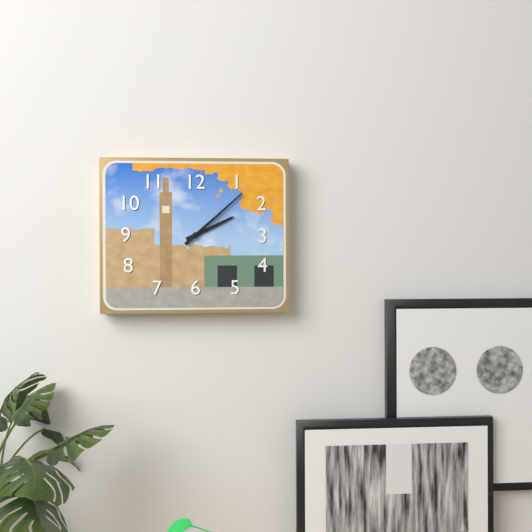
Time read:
2:08
